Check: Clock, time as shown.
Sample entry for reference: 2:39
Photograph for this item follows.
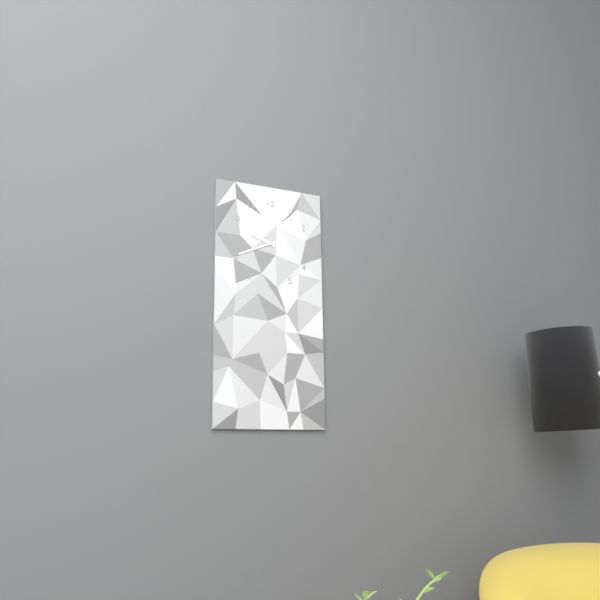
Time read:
9:41
